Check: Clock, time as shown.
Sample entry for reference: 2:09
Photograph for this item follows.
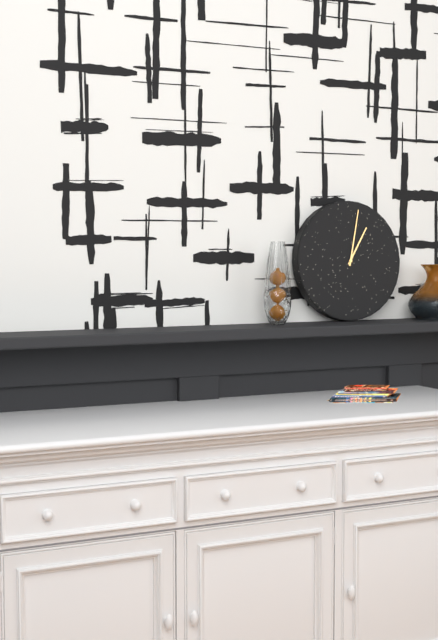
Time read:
1:02
